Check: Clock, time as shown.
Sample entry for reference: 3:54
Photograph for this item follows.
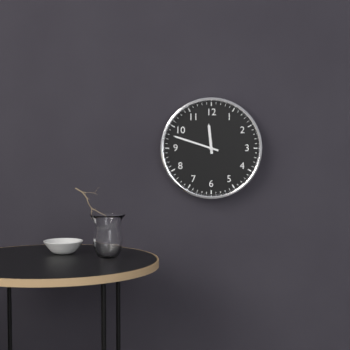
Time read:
11:48
